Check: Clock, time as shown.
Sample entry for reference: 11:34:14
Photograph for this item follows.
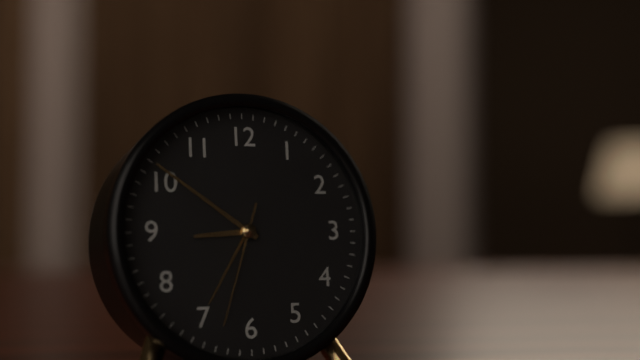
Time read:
8:51:33
